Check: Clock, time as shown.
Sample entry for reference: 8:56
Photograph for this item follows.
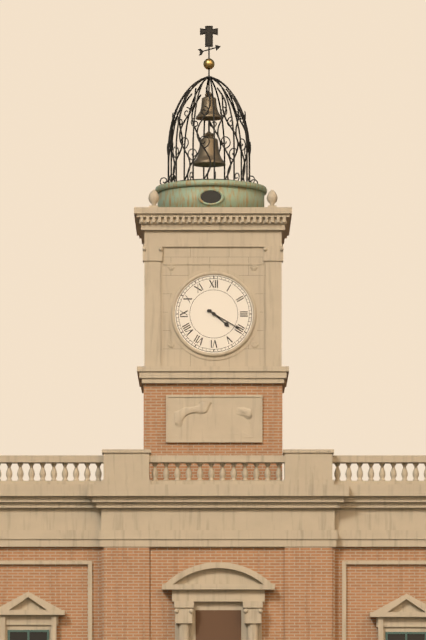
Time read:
4:20
